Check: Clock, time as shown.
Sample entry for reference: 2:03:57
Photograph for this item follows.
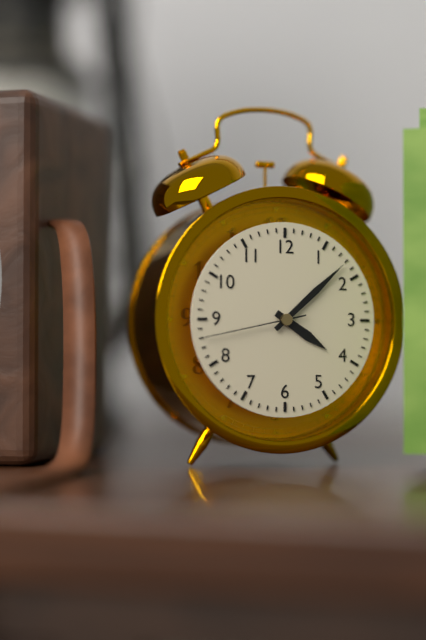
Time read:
4:08:43
